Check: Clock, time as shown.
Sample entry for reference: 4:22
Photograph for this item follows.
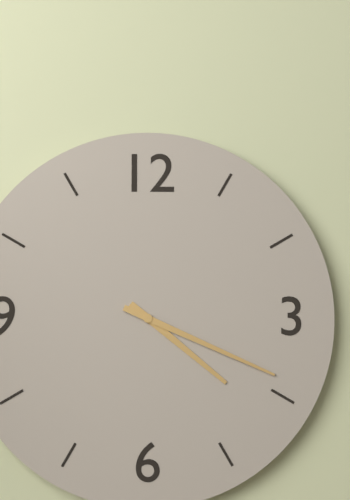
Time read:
4:19
